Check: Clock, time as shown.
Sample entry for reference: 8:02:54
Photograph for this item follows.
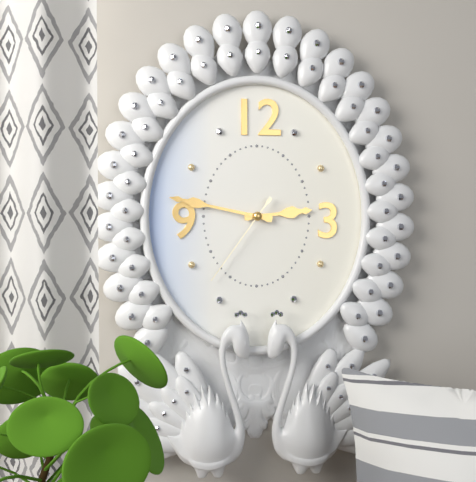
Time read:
2:47:36
